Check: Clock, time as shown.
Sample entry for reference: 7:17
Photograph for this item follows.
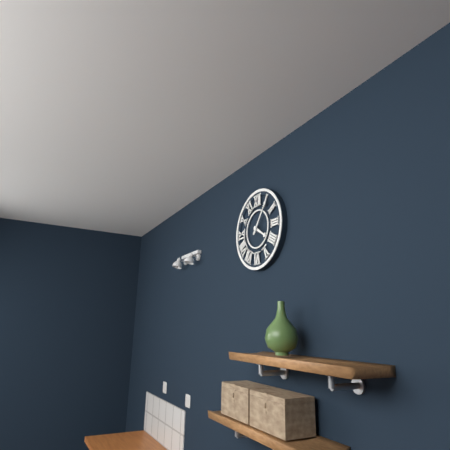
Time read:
4:06
